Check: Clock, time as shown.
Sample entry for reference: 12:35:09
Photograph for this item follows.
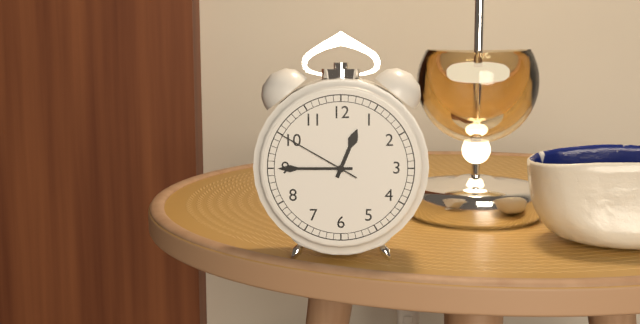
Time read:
12:45:50
